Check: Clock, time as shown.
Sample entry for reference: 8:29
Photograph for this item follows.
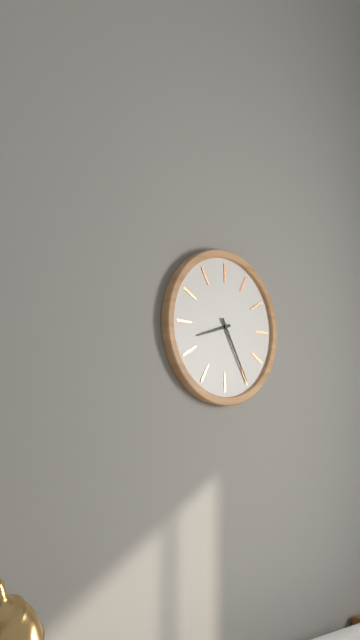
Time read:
8:25
